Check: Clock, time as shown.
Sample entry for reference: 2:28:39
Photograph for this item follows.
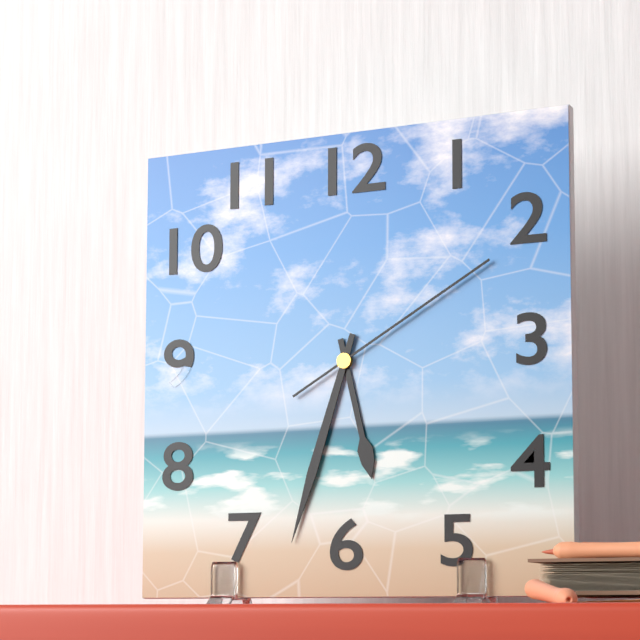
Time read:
5:33:10
